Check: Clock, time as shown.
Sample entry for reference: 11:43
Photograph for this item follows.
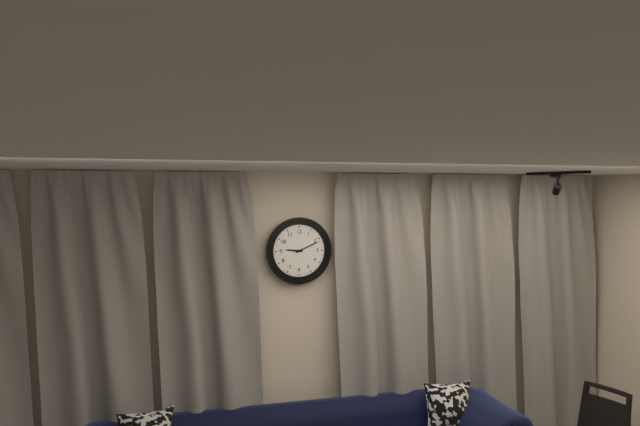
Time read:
9:11
